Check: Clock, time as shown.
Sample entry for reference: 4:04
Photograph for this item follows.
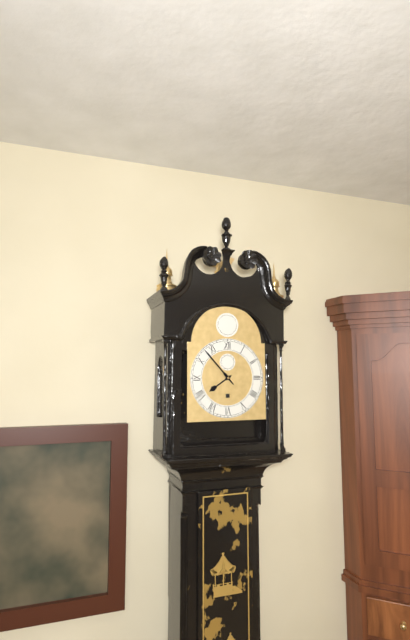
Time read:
7:53
